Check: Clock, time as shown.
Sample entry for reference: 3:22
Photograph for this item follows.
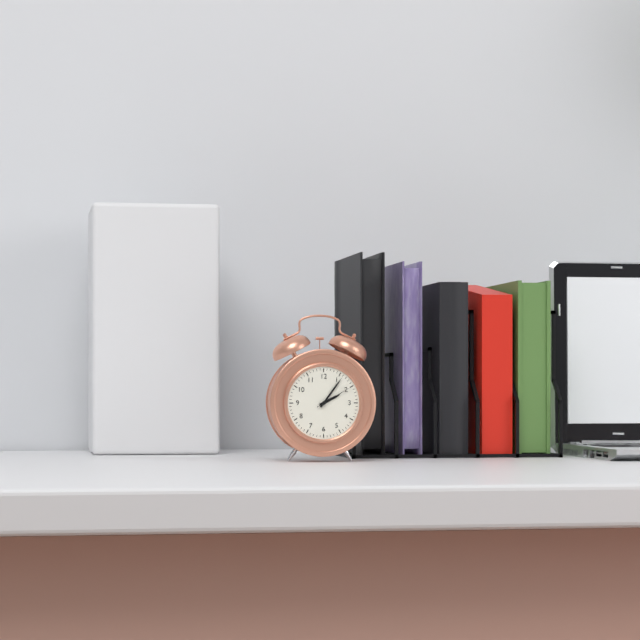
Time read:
2:06
